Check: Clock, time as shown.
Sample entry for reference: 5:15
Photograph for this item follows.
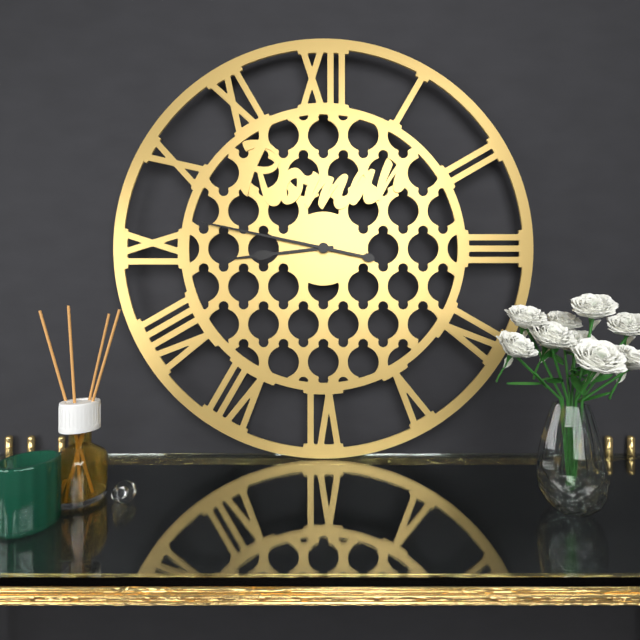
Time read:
8:47
